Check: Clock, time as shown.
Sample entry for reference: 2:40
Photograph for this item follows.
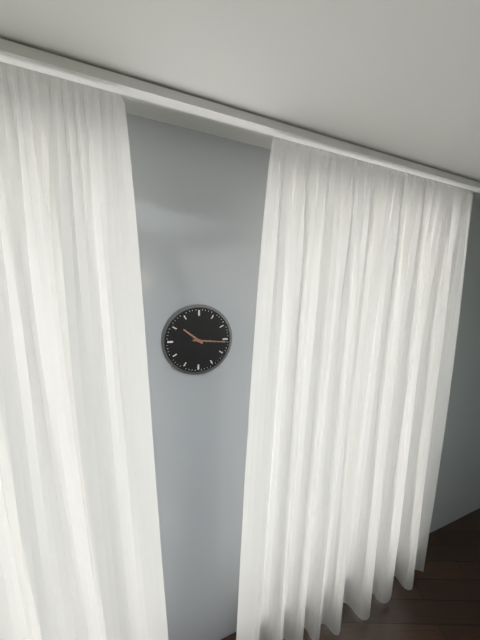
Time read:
10:16
